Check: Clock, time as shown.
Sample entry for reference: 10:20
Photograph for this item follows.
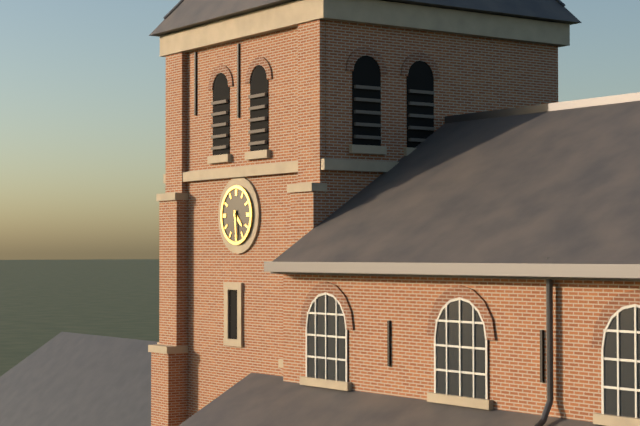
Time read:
4:29
